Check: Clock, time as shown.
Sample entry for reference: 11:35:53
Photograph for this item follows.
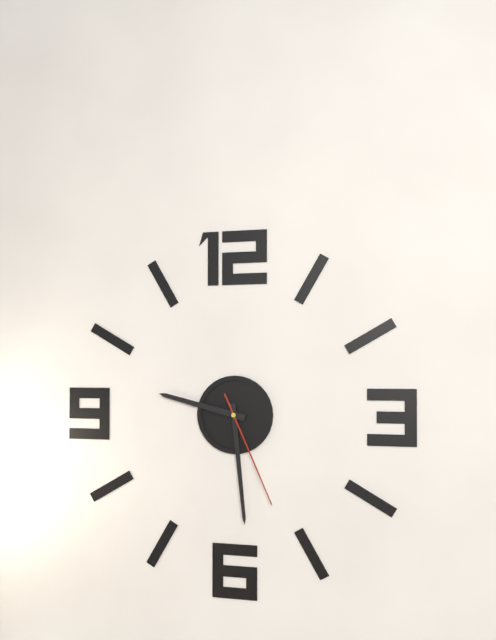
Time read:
9:29:26
